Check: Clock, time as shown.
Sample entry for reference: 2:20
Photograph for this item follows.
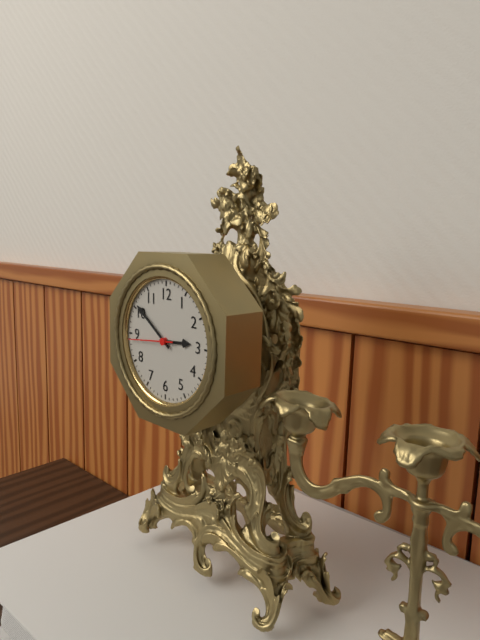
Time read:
2:51
